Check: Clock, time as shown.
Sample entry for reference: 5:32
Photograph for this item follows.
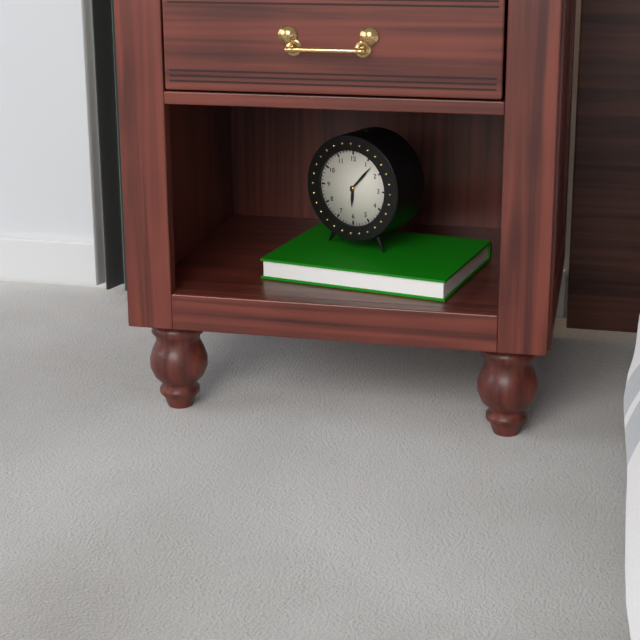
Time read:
6:07
